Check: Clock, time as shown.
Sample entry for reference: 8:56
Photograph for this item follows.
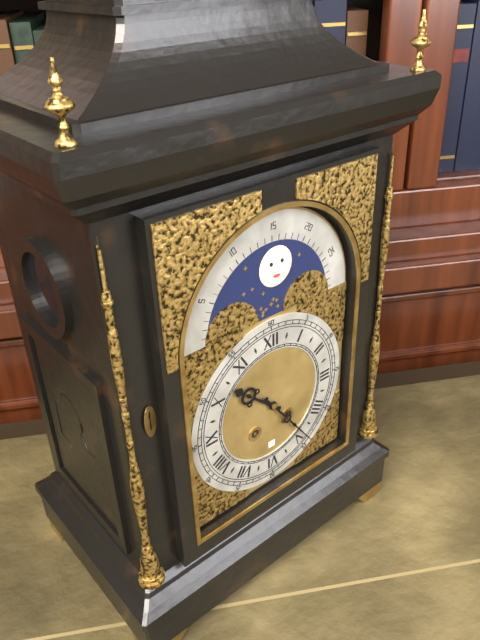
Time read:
10:24
